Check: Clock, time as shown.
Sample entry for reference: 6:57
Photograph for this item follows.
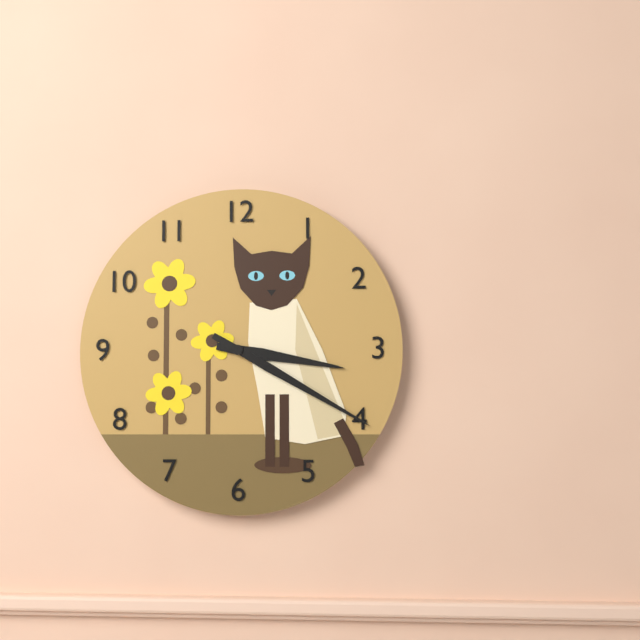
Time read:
3:20
